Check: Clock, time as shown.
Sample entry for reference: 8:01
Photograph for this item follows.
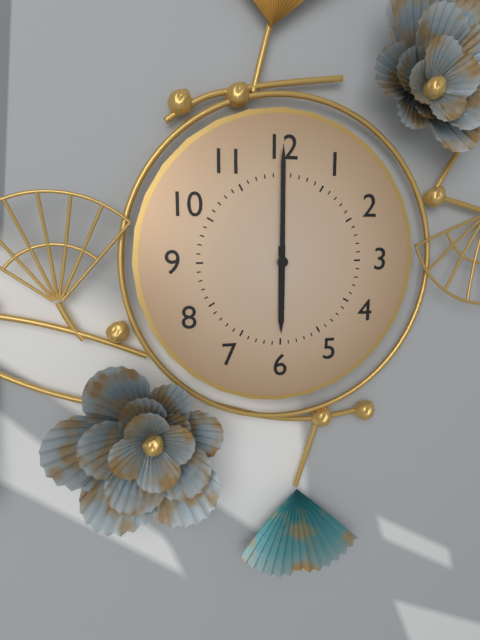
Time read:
6:00
